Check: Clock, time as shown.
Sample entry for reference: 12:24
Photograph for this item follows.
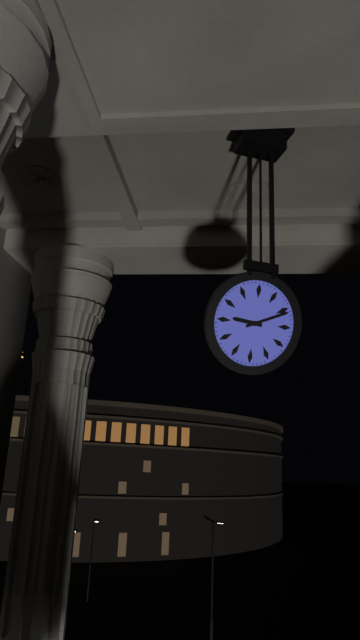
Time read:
9:11
